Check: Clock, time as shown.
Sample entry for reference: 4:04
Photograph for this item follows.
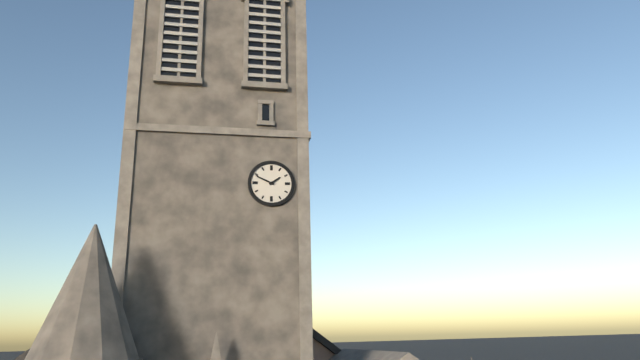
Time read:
1:49
